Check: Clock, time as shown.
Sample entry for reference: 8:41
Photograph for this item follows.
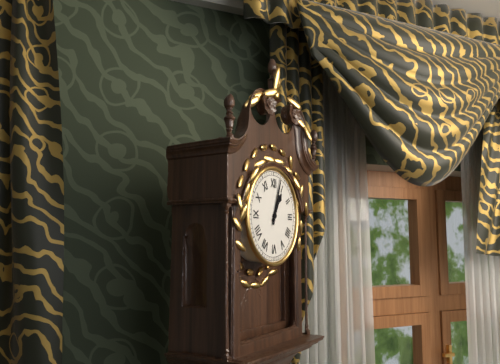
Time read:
1:03
